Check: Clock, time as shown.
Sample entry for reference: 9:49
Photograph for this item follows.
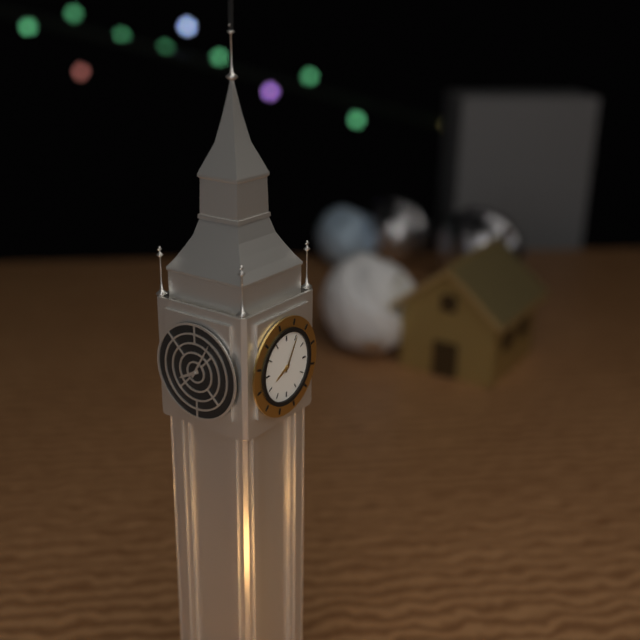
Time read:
8:05
